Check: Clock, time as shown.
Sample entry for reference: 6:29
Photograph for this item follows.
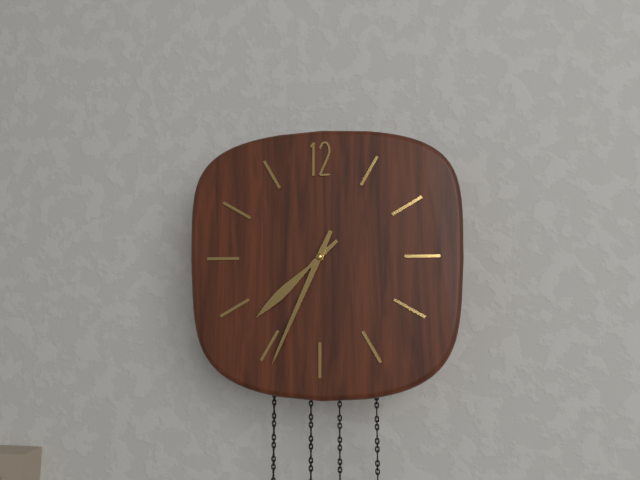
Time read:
7:34
